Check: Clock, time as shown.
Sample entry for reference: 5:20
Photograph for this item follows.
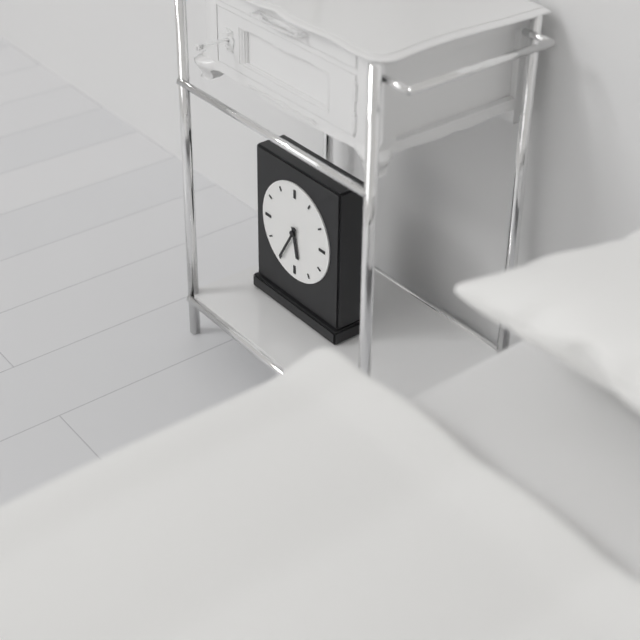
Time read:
5:35
